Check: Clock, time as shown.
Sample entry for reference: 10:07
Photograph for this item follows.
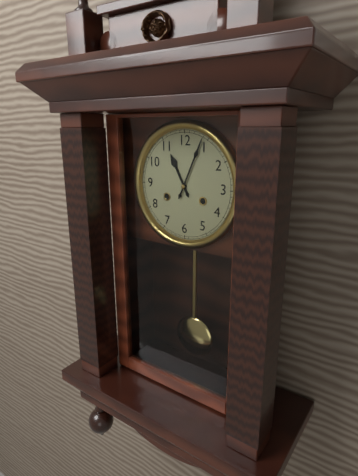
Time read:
11:04
